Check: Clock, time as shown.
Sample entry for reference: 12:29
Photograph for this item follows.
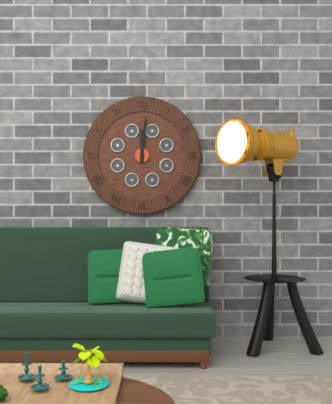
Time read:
12:01
